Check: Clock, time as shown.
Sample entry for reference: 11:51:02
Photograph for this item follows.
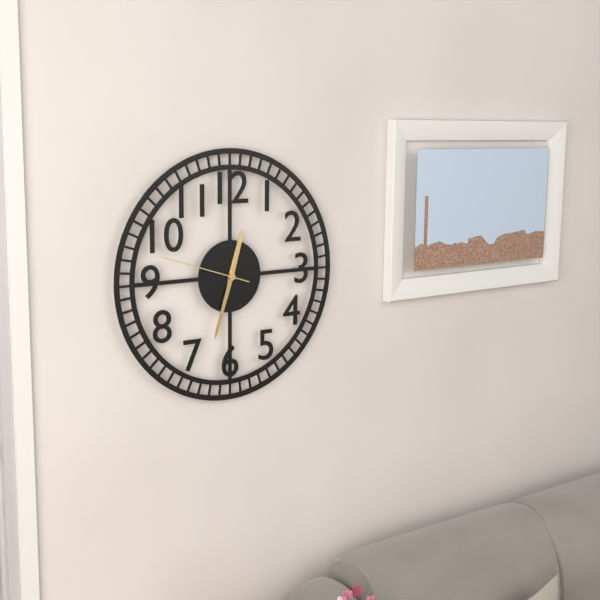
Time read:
12:33:48
